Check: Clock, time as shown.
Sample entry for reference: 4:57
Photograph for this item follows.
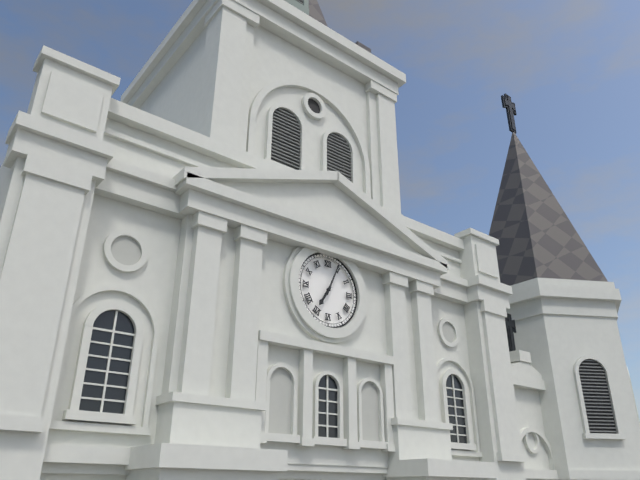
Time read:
7:04
